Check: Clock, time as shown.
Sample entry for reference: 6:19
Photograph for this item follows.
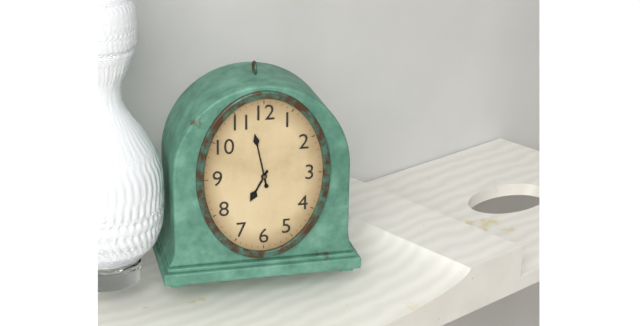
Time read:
6:58
